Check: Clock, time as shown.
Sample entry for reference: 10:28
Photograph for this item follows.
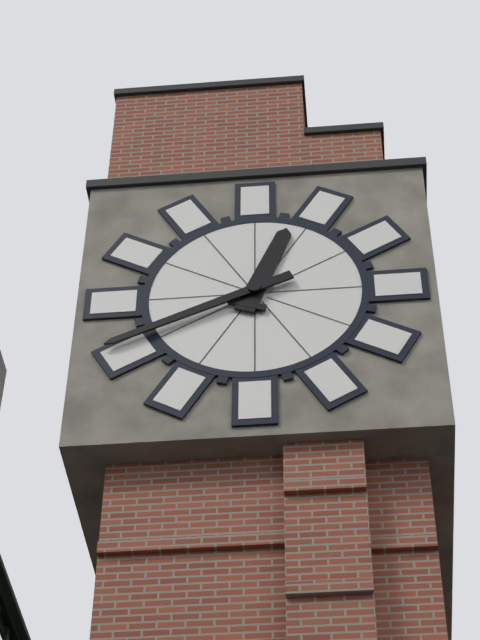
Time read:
12:41
